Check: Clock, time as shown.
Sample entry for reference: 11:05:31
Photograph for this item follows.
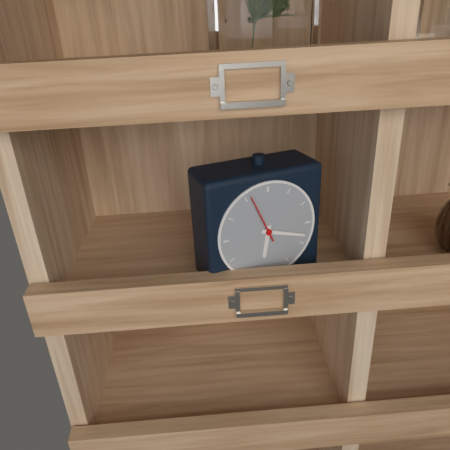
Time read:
6:18:56
